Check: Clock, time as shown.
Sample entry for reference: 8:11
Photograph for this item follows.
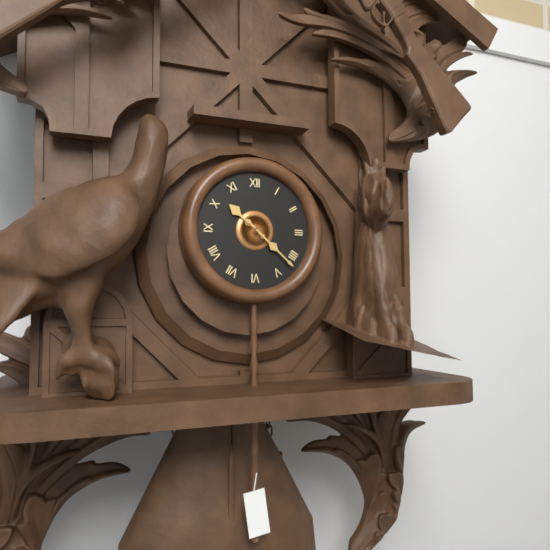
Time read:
10:22
